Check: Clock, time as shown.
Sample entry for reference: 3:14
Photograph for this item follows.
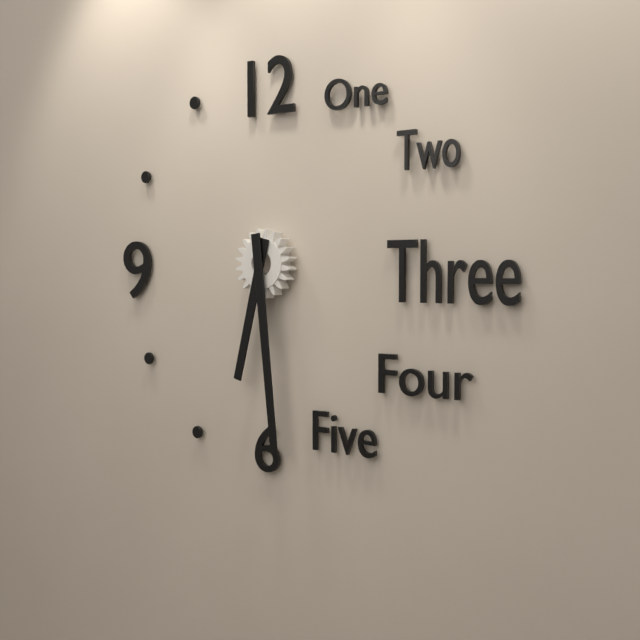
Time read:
6:29
